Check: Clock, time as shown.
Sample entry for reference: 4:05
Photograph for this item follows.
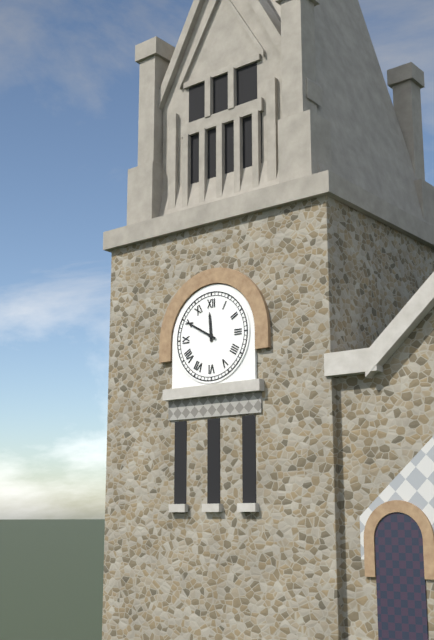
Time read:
11:50
